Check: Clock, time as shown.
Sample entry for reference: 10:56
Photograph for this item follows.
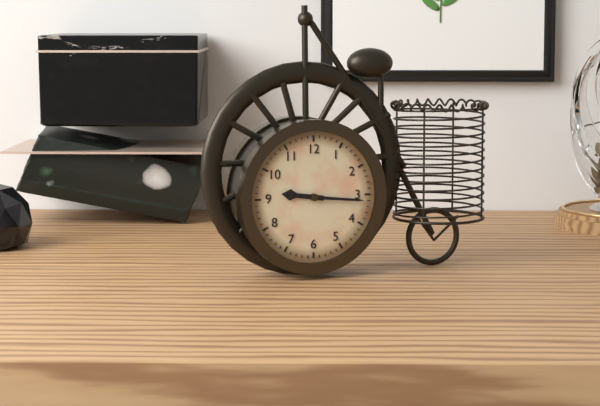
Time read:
9:16
